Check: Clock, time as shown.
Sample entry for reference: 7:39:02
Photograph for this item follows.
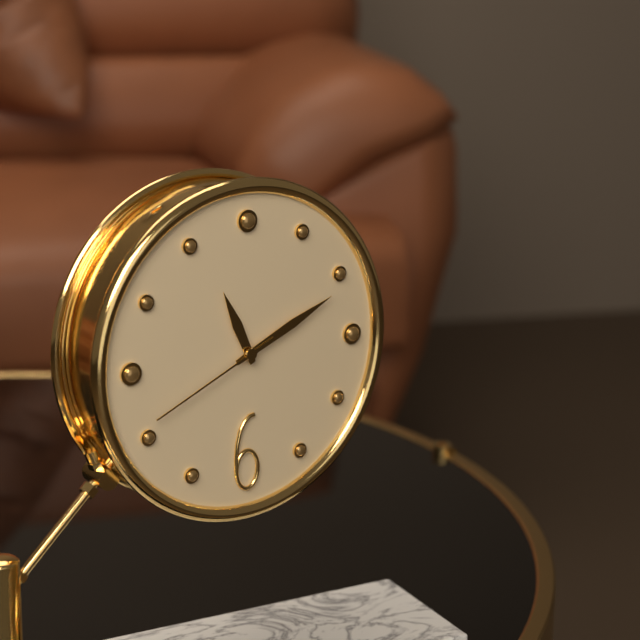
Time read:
11:11:41
